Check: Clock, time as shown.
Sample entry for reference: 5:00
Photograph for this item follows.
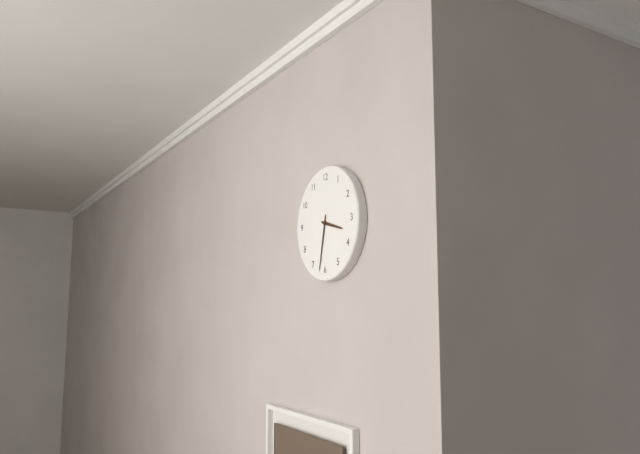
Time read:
3:32
